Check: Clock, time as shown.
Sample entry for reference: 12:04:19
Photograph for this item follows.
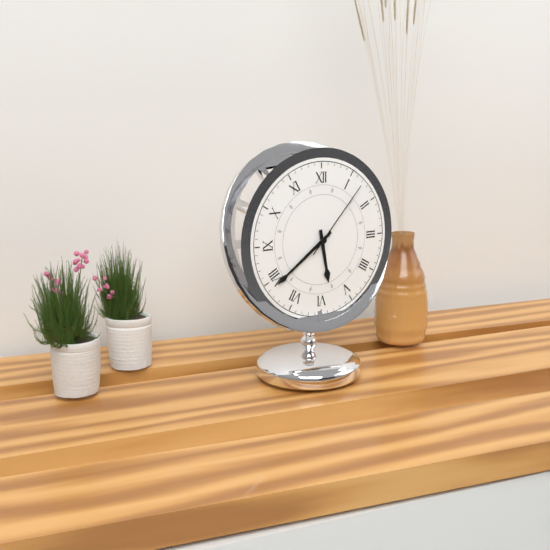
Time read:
5:39:07
